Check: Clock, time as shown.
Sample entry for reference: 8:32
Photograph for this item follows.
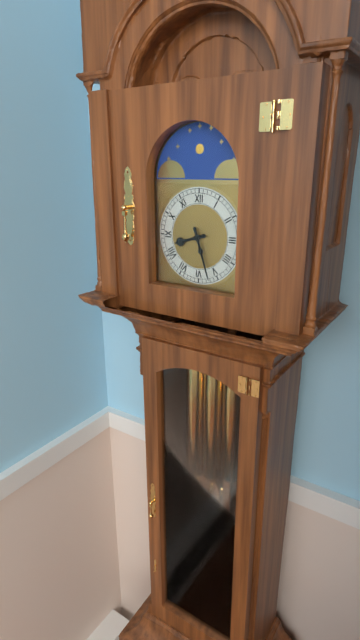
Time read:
8:27
